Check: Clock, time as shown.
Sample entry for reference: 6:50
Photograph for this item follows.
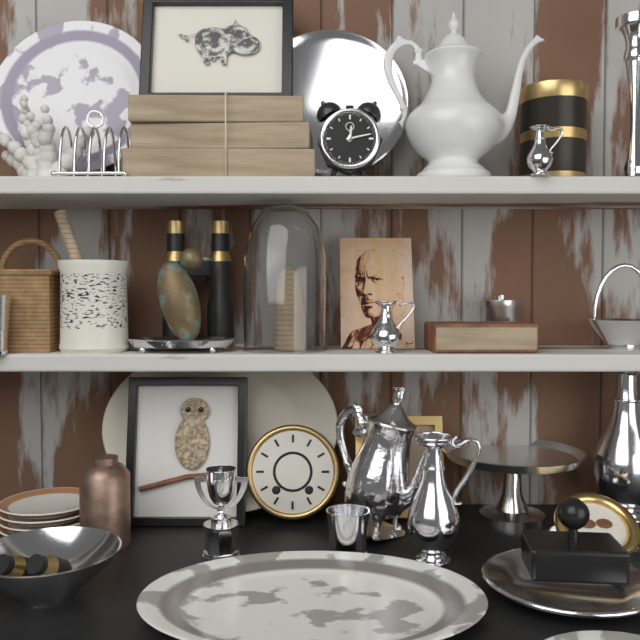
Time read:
12:13
